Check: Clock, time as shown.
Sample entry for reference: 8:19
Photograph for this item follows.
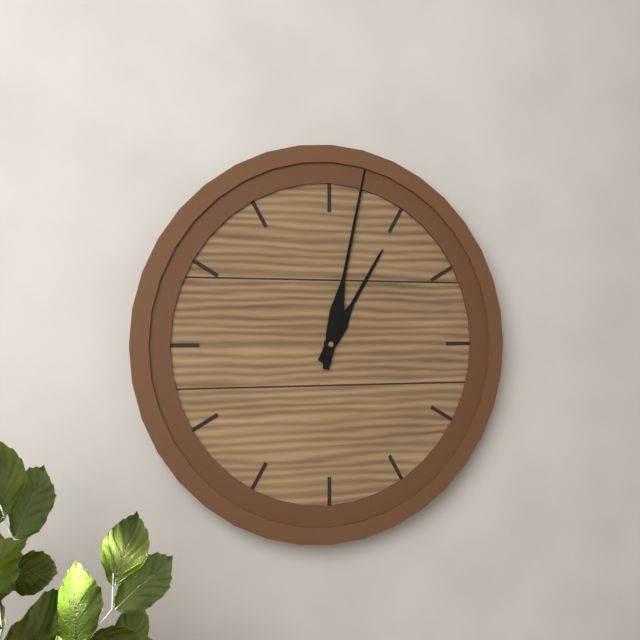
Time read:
1:02
